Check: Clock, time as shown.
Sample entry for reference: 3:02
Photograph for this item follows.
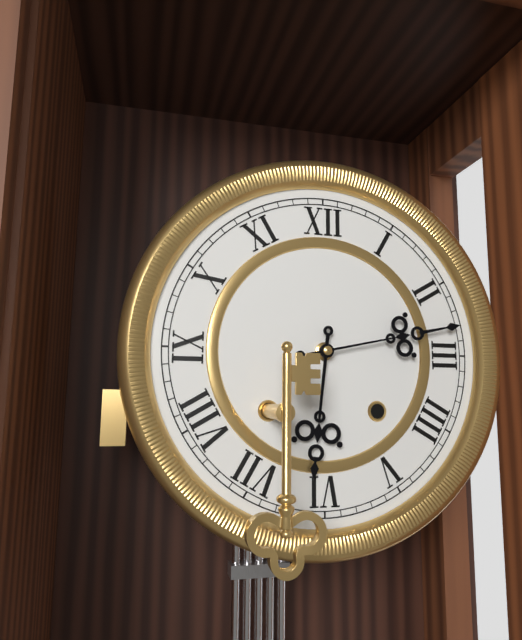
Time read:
6:13
